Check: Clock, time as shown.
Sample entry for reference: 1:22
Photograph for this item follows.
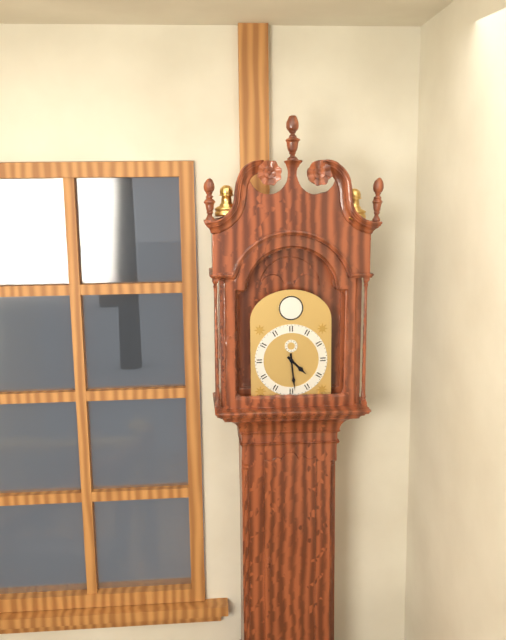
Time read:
4:29
